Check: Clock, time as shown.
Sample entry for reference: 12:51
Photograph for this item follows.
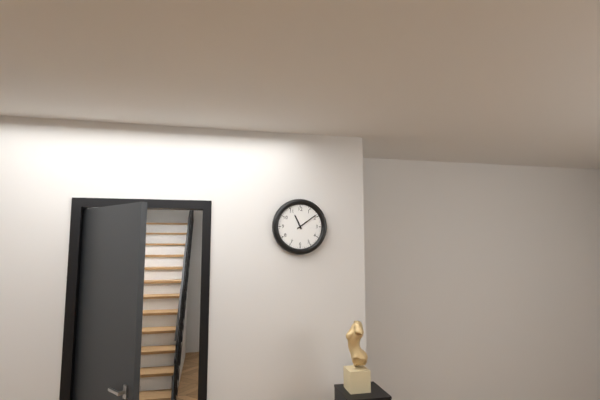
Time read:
11:09
